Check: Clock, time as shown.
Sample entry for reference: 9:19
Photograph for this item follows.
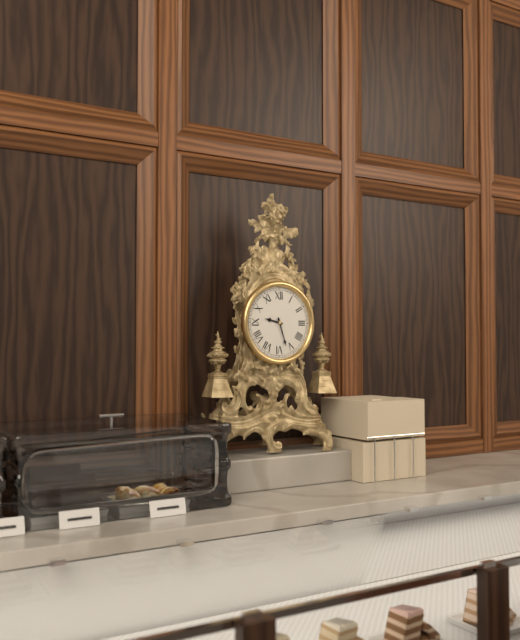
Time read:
9:27
